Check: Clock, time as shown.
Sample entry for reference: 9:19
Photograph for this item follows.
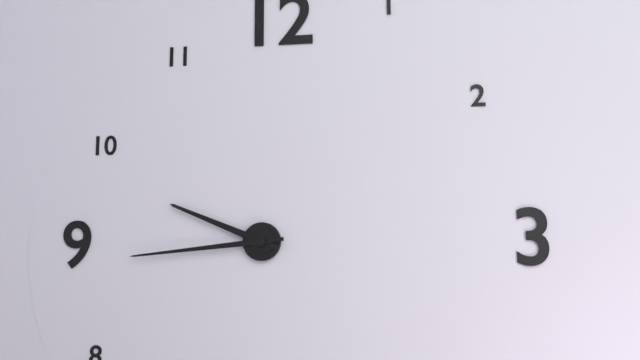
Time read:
9:44
